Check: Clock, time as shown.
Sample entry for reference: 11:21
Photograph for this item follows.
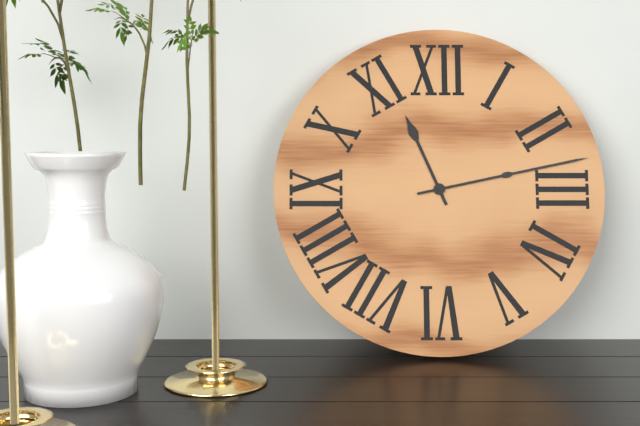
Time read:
11:13
